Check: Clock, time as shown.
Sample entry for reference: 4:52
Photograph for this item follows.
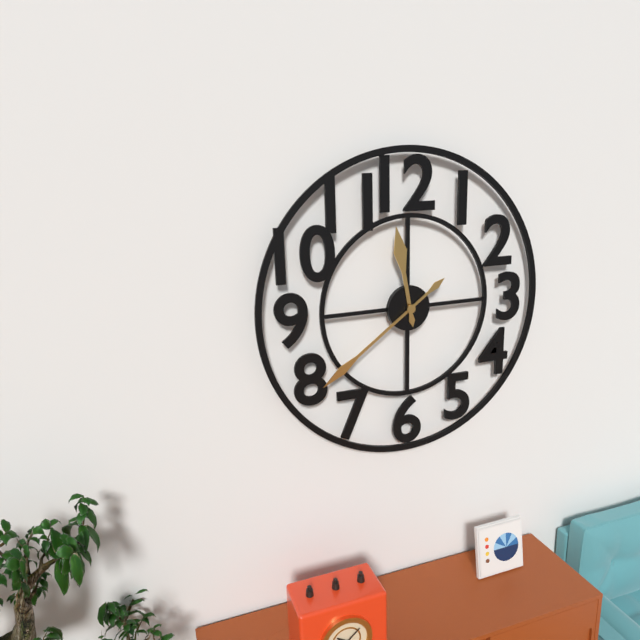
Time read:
11:39
